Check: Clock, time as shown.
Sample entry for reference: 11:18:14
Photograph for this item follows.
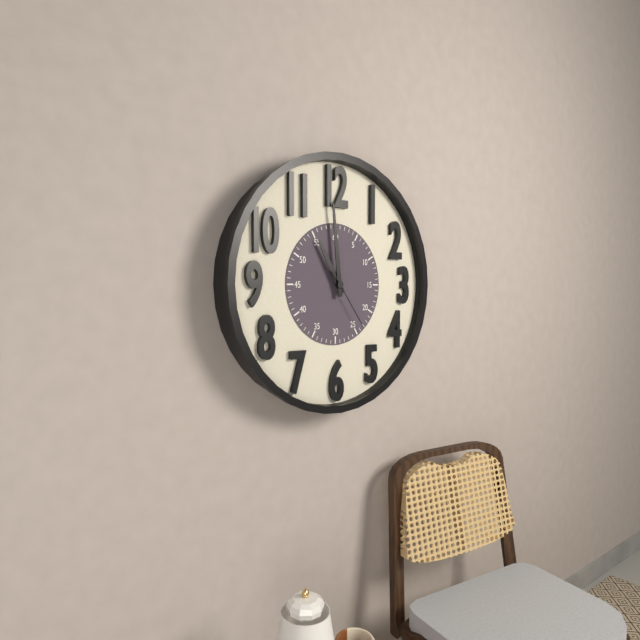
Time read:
10:59:24
